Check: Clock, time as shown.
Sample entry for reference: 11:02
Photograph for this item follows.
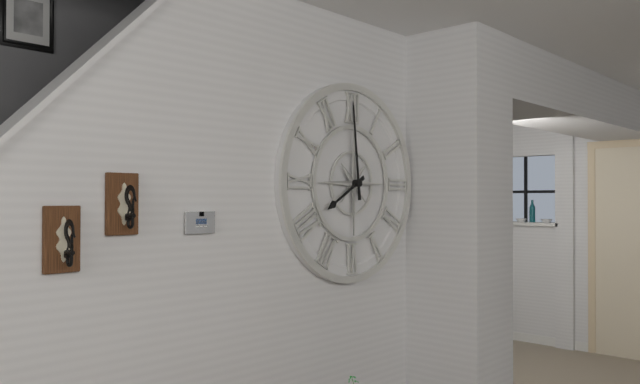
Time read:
7:59
